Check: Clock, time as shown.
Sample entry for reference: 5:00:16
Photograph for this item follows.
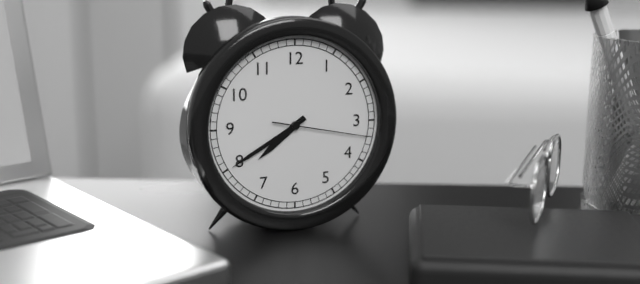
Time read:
7:40:17
